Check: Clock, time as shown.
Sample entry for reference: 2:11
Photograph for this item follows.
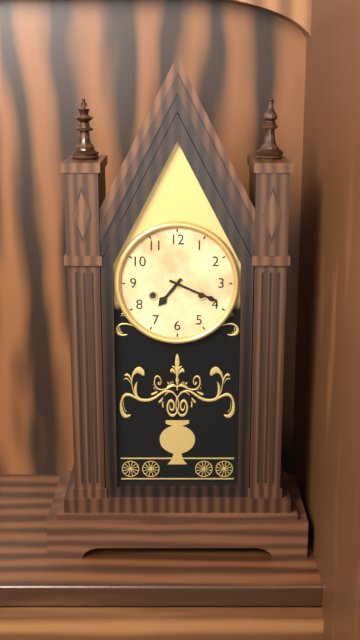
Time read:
7:19
